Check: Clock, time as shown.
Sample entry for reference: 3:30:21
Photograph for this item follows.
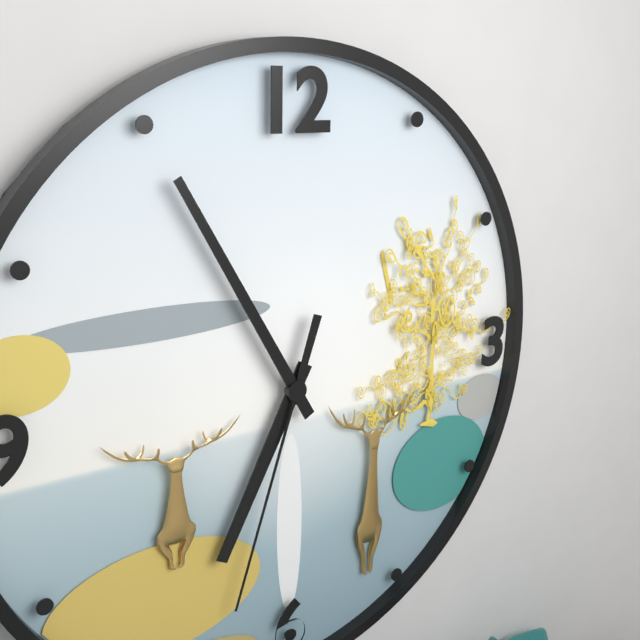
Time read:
6:55:33
